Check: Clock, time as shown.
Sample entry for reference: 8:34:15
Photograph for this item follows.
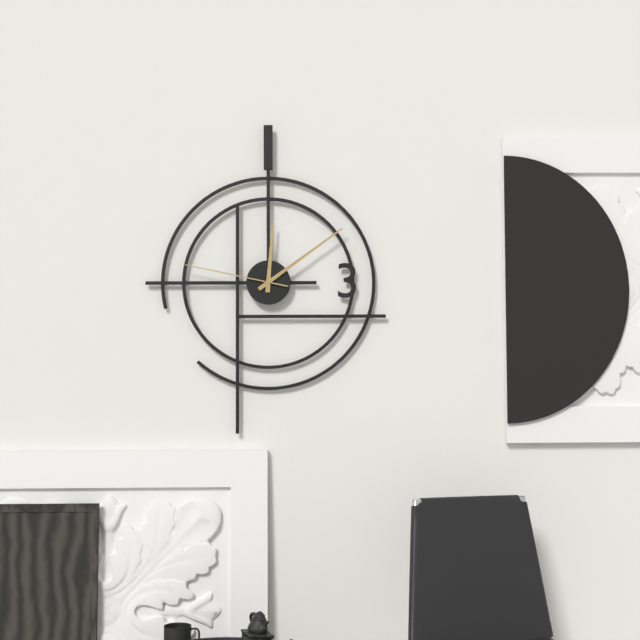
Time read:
12:09:47
